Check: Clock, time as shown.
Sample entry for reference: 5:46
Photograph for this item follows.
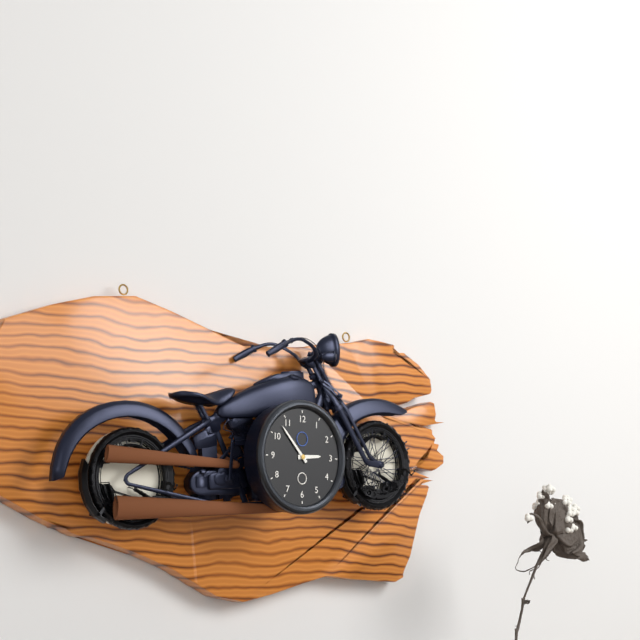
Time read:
2:53
